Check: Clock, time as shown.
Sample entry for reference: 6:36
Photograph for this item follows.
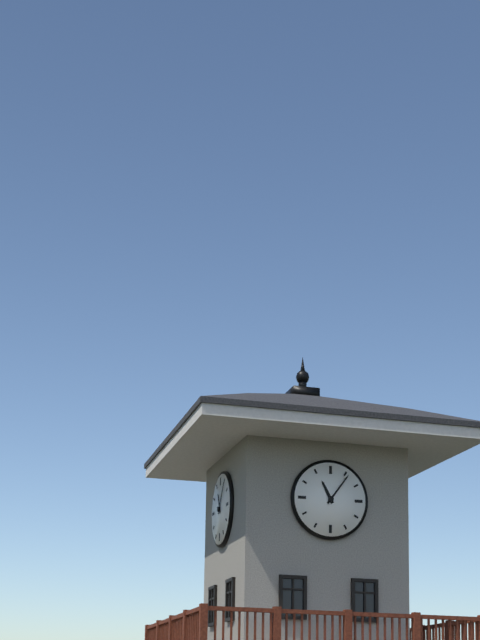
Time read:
11:06
